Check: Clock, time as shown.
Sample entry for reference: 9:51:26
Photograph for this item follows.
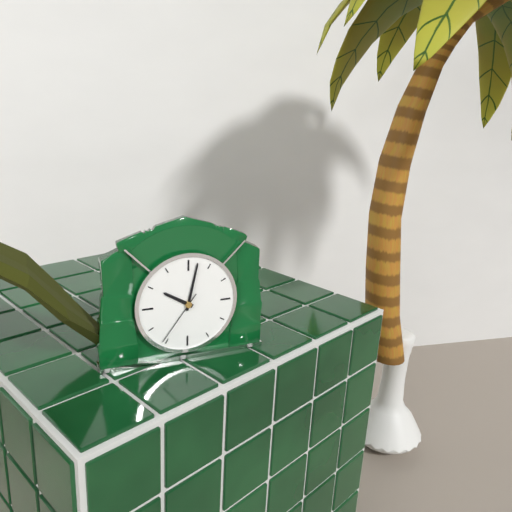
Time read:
10:02:36
